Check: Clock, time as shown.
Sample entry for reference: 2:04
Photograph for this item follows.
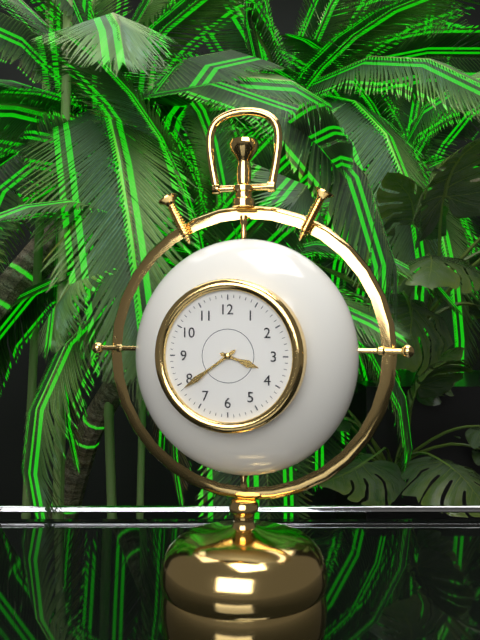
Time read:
3:39
